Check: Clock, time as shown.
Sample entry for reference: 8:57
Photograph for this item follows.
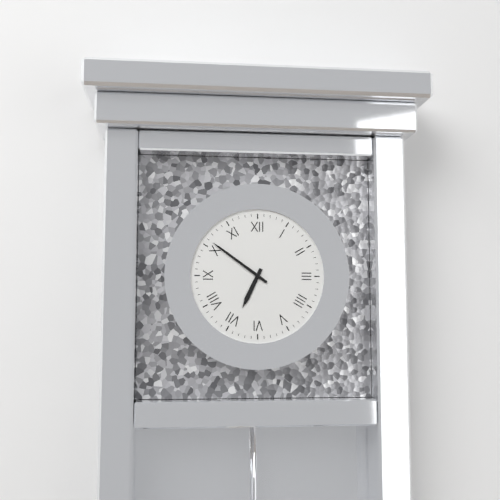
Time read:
6:51
